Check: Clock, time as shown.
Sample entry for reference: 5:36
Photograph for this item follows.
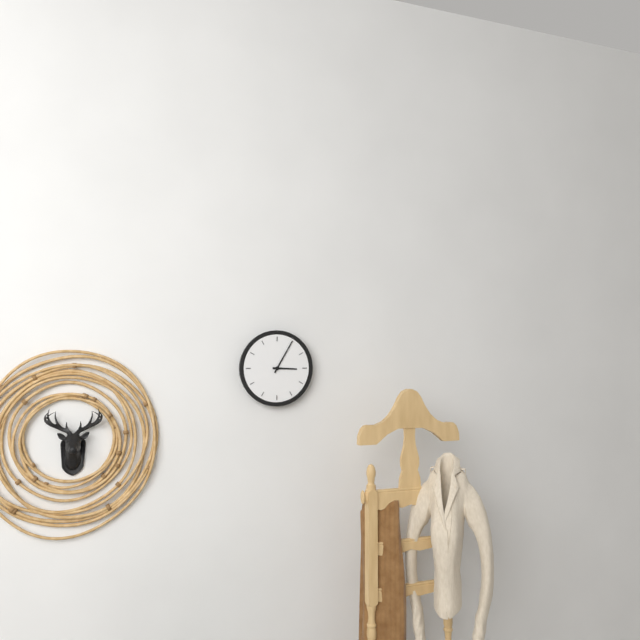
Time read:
3:05
